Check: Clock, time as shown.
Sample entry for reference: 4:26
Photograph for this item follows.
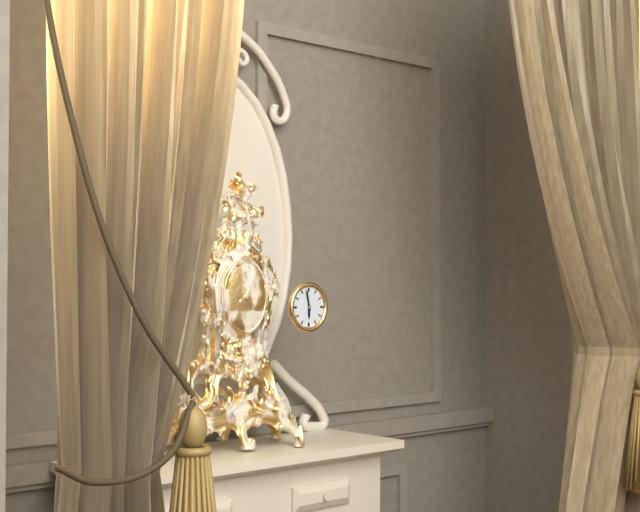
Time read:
5:58
